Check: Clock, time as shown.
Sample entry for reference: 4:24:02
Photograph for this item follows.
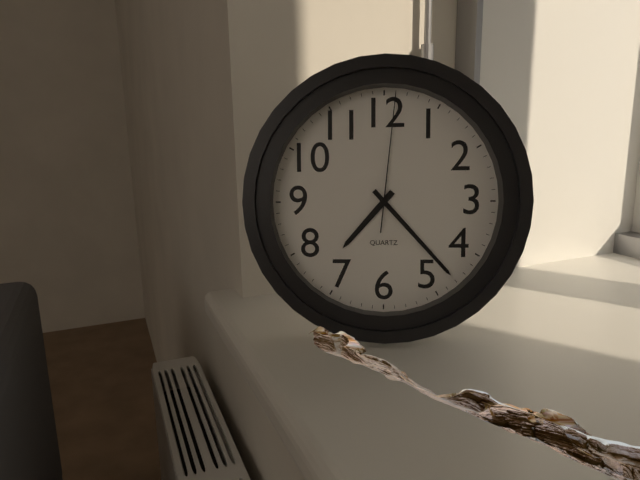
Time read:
7:23:01
